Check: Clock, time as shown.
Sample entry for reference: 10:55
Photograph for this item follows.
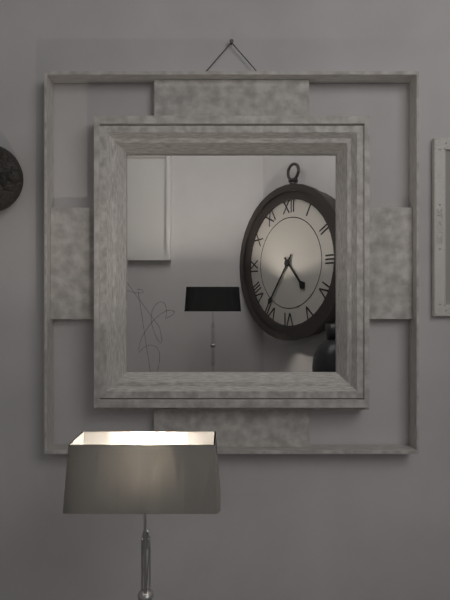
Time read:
4:36
